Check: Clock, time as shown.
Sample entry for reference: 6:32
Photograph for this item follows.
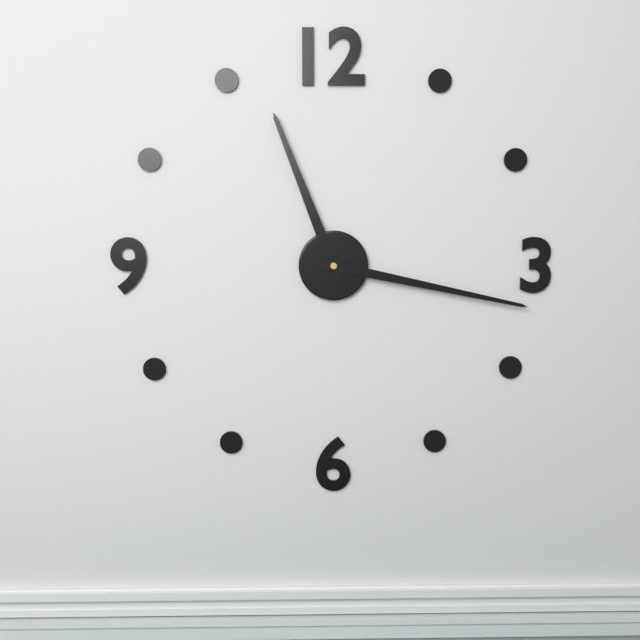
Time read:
11:17
